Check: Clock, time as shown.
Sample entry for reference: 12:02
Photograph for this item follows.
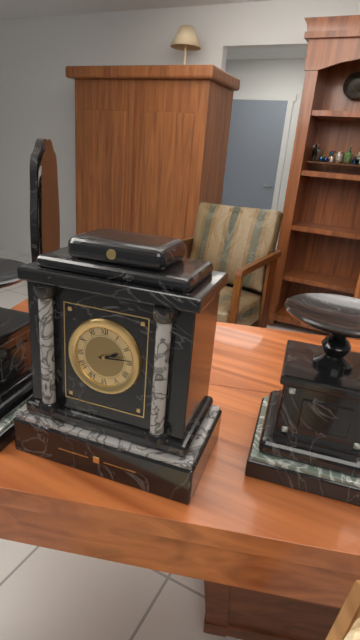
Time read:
2:14
